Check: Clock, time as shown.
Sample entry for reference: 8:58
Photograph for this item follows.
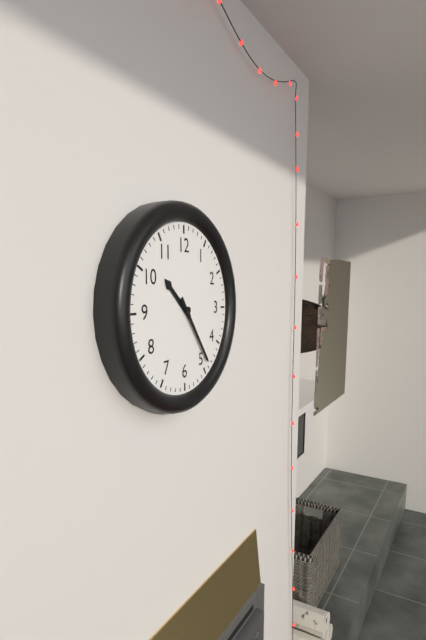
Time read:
10:24
